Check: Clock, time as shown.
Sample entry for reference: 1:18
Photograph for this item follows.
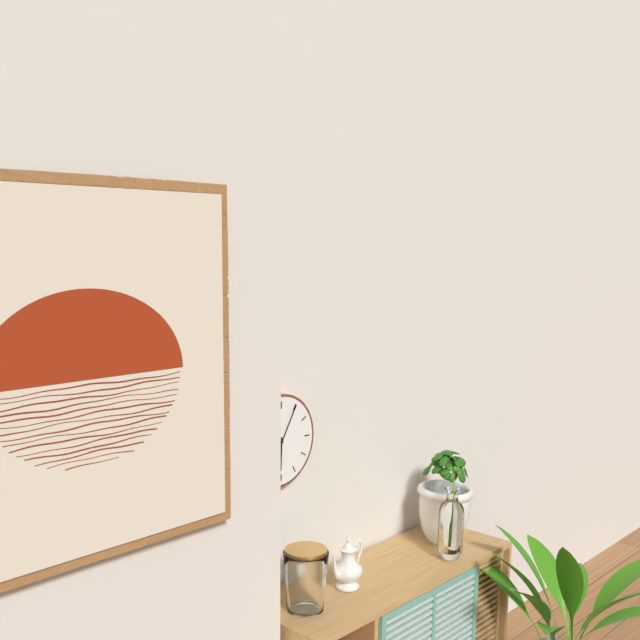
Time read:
6:05
